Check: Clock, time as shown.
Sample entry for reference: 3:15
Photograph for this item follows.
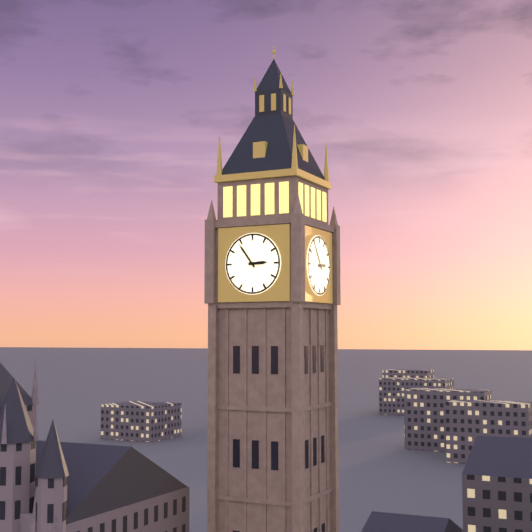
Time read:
2:54
